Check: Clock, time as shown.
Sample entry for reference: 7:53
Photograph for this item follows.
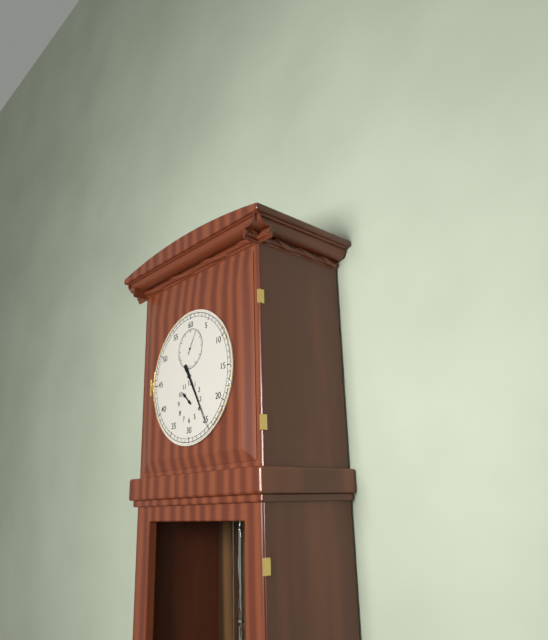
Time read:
10:25
